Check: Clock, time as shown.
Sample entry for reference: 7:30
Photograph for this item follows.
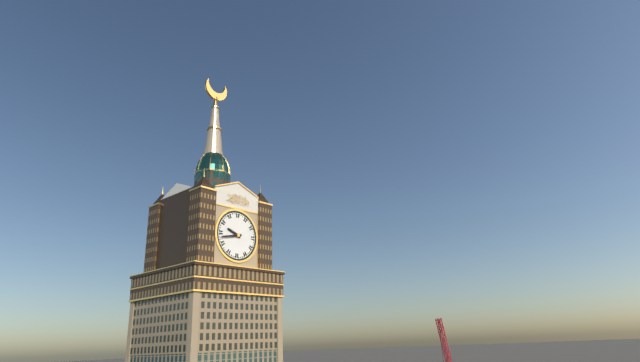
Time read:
9:43
